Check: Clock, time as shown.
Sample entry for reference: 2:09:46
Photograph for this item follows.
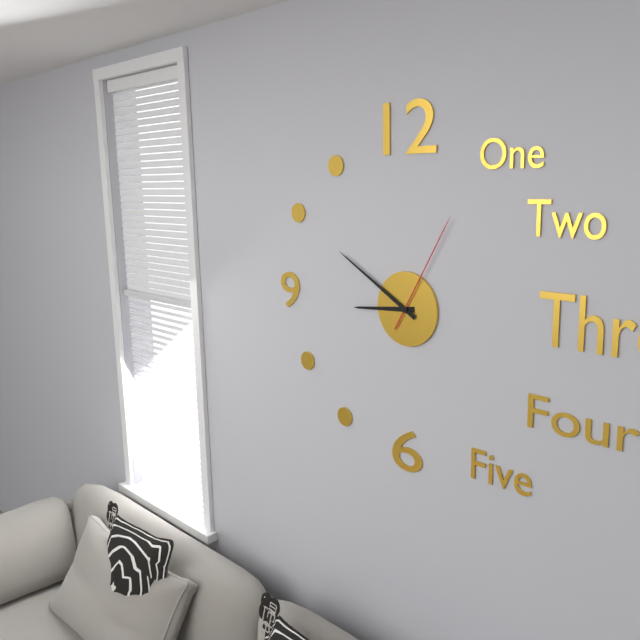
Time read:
8:50:05
